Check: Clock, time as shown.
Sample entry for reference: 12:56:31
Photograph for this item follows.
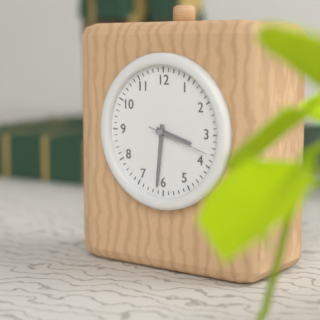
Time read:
3:31:18
